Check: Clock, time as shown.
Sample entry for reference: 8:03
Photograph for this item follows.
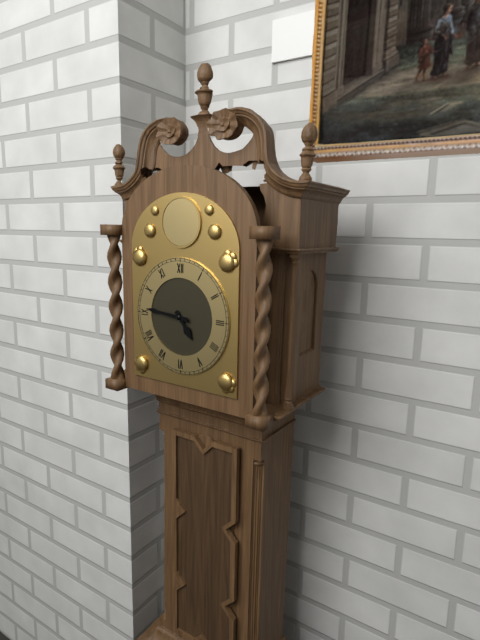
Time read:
4:46
